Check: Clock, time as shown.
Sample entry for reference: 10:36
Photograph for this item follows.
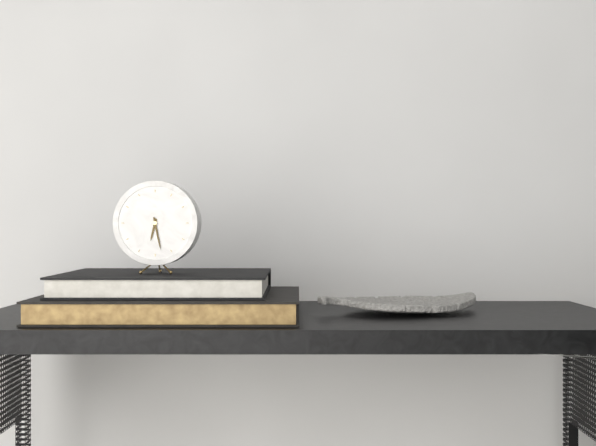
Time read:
6:28
